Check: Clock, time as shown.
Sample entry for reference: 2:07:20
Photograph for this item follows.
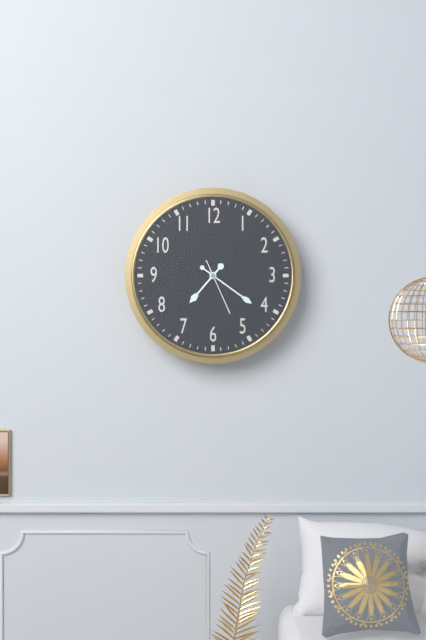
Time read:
7:21:26
